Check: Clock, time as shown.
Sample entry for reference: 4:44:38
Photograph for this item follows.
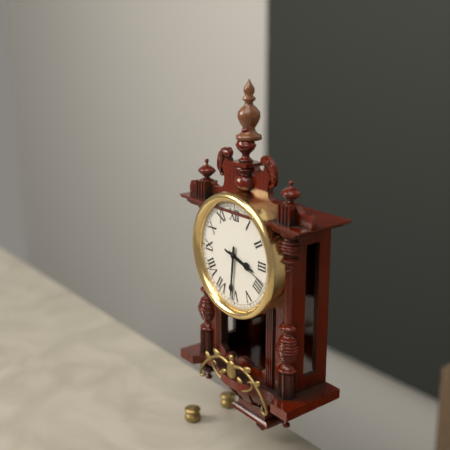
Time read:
3:31:18
